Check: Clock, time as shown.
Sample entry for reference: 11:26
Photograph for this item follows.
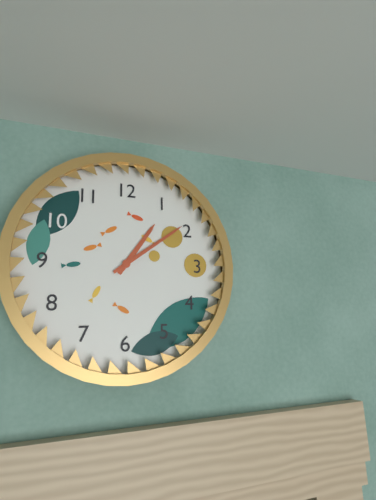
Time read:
1:09
